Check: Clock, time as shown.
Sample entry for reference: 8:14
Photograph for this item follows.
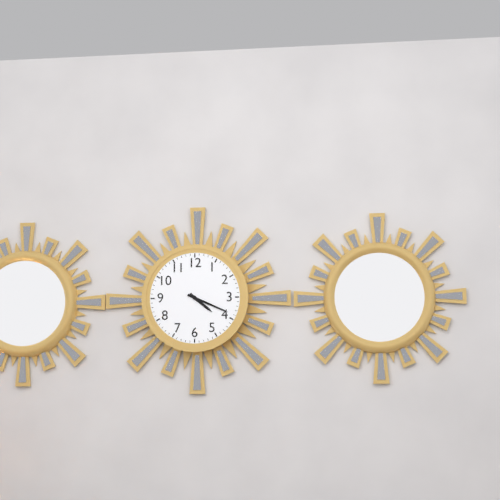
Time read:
4:19
